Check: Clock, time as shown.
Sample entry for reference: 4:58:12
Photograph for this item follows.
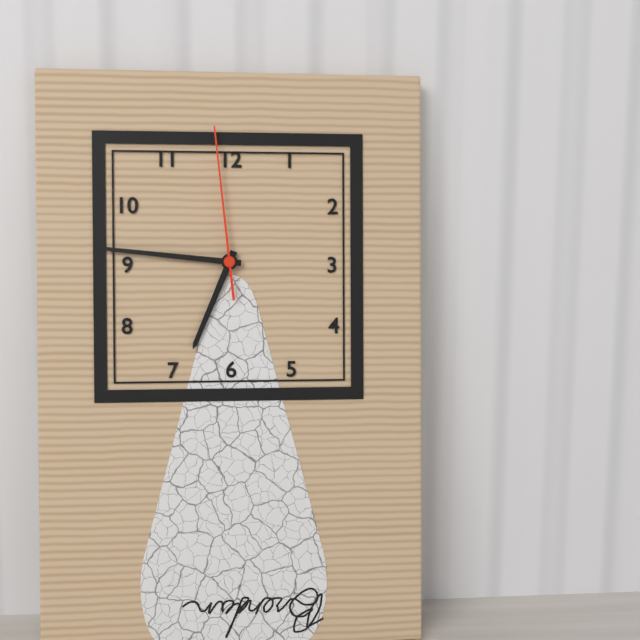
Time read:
6:46:59
